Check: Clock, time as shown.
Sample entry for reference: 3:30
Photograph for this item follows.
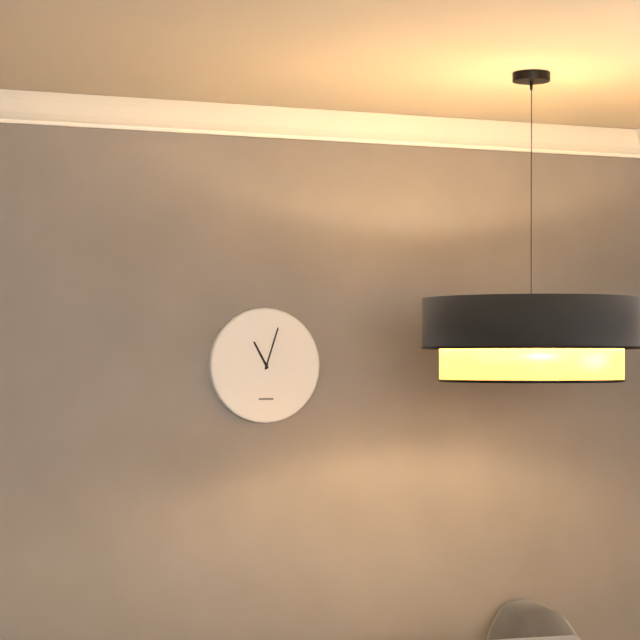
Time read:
11:03
